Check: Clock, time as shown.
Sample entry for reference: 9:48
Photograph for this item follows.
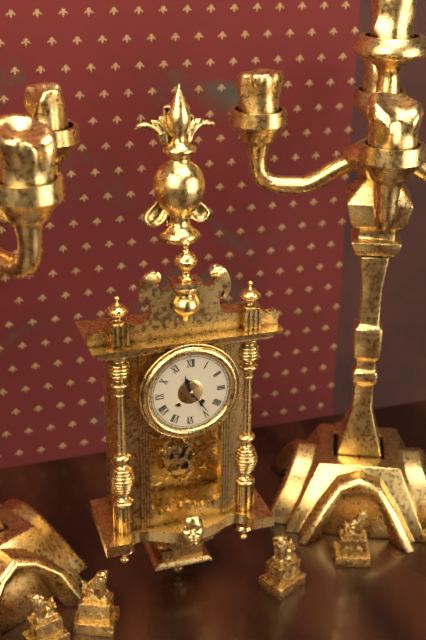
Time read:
11:24
